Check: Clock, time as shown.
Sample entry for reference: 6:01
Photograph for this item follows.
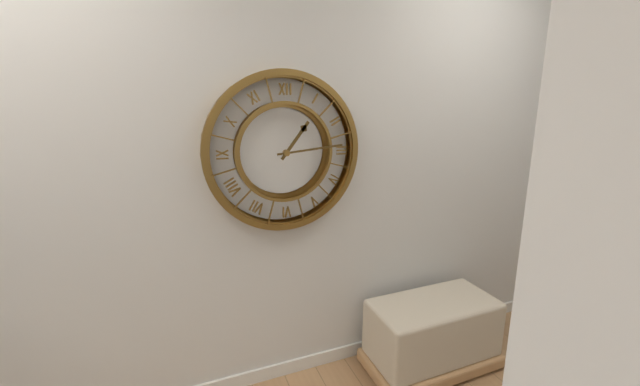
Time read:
1:14
